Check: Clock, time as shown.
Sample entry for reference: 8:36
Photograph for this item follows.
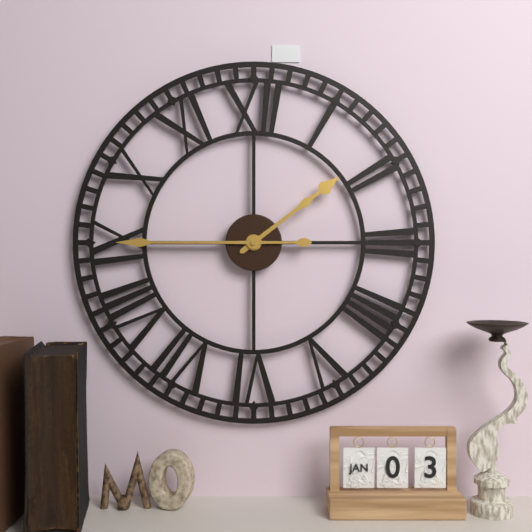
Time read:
1:45
